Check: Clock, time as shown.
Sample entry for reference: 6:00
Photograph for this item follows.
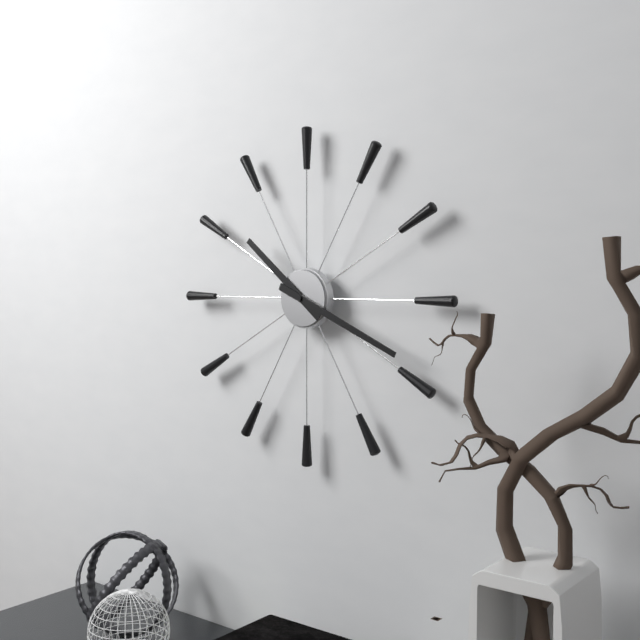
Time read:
10:19
